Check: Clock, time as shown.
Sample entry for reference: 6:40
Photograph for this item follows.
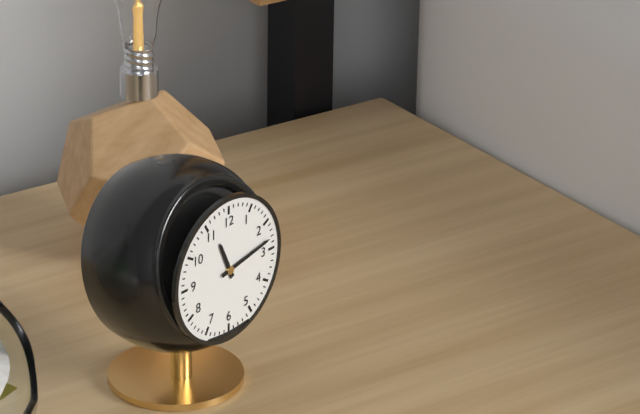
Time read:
11:13
